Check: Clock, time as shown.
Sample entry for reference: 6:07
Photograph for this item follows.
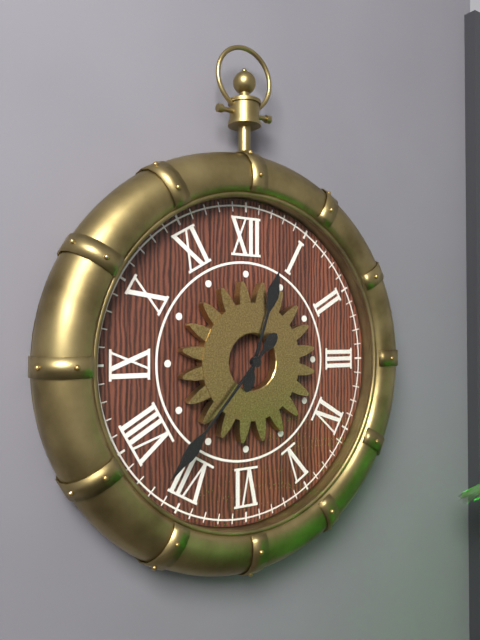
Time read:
12:37
